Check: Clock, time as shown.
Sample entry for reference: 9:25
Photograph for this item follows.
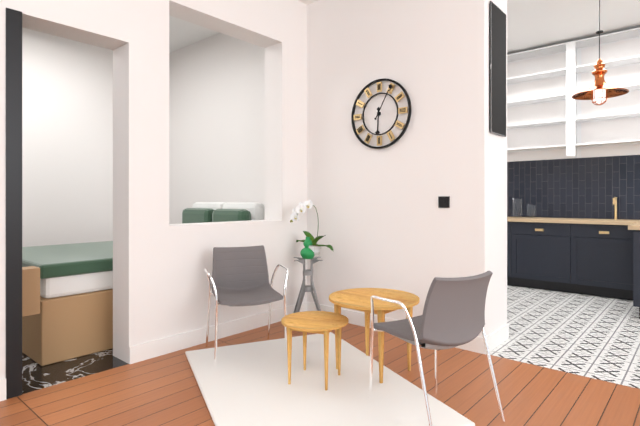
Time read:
6:05
